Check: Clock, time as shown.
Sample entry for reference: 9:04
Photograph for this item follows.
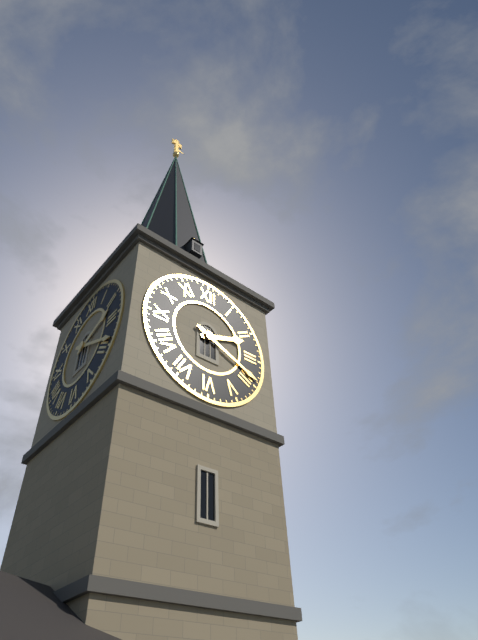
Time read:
2:19
